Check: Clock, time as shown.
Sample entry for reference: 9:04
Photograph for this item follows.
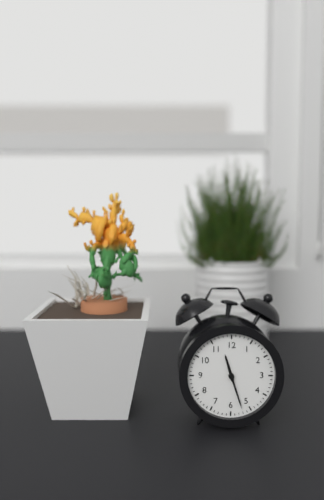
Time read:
11:27
